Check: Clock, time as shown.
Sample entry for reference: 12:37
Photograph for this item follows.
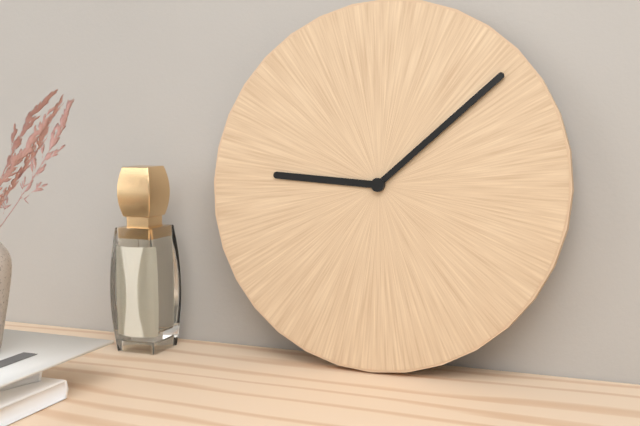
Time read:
9:08
